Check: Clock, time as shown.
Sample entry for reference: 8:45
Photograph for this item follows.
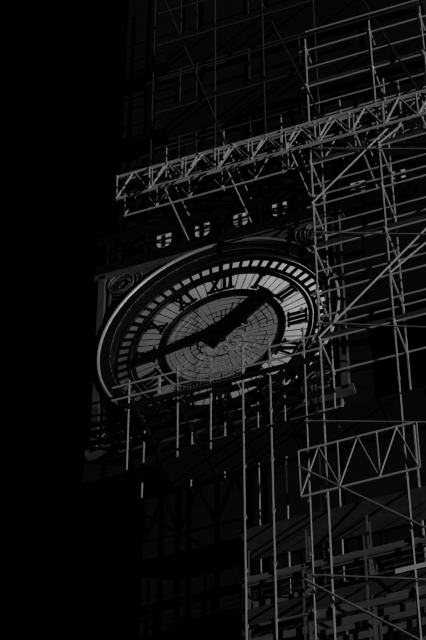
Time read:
1:43
